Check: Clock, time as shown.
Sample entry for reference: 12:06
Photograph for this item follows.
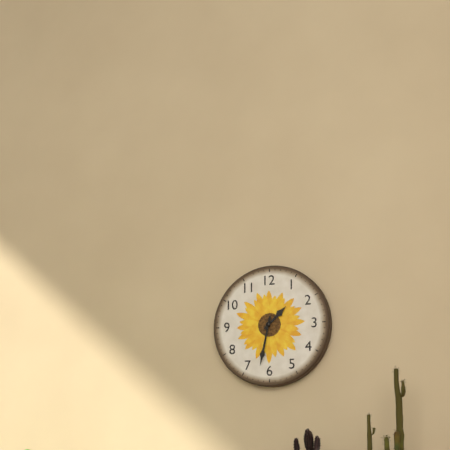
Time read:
1:32
